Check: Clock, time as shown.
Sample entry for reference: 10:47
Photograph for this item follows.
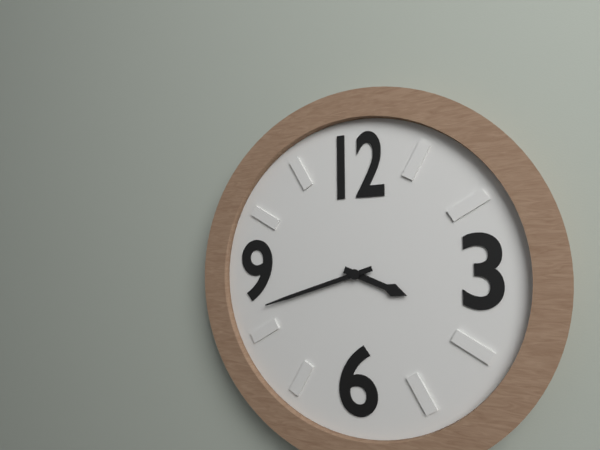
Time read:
3:42
